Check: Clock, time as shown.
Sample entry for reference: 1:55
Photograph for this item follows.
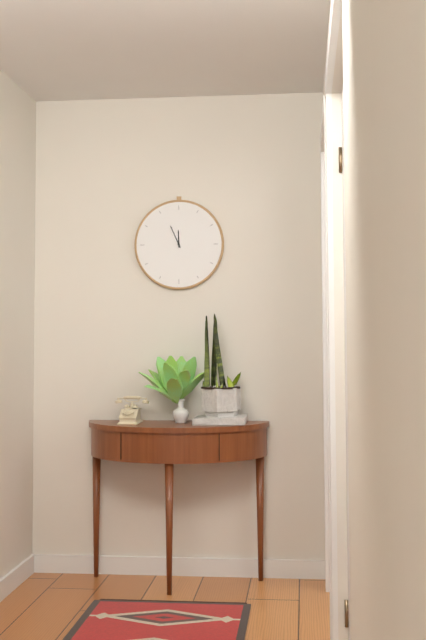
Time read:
11:56
